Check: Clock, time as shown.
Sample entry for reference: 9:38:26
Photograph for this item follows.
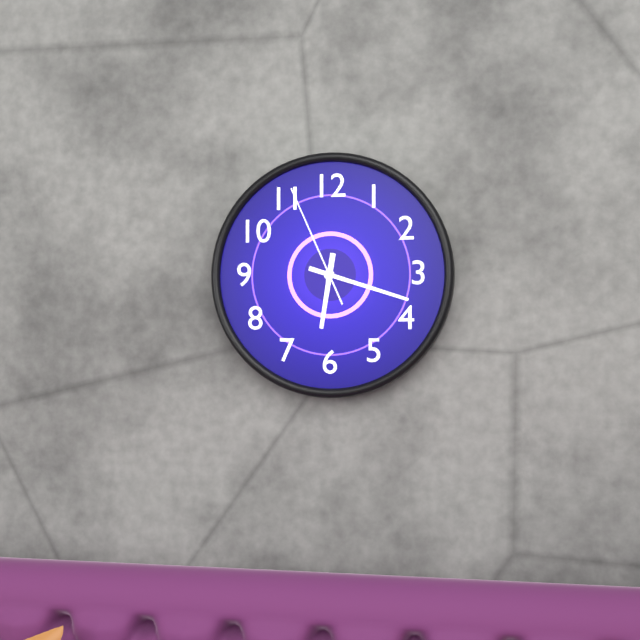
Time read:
6:18:56
